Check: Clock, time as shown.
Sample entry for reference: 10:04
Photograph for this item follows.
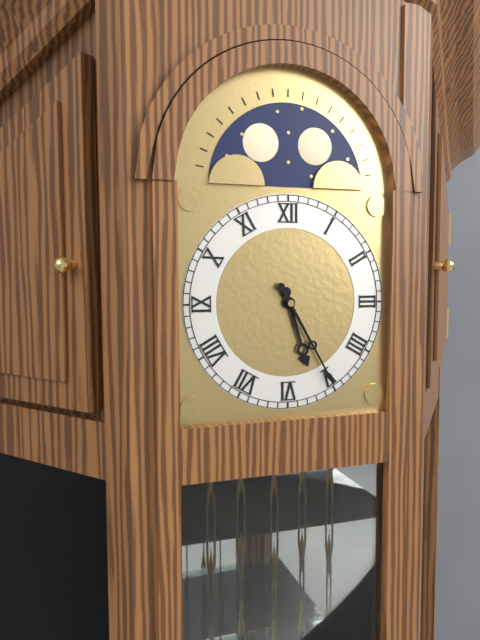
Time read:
5:25
